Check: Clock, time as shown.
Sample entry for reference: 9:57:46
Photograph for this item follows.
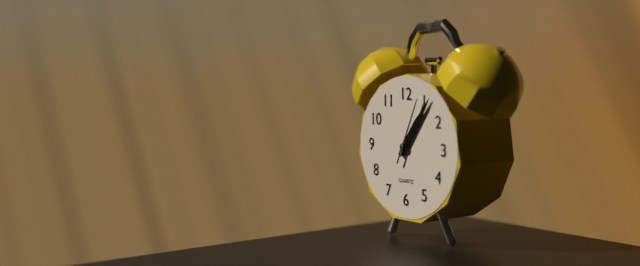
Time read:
1:06:04
